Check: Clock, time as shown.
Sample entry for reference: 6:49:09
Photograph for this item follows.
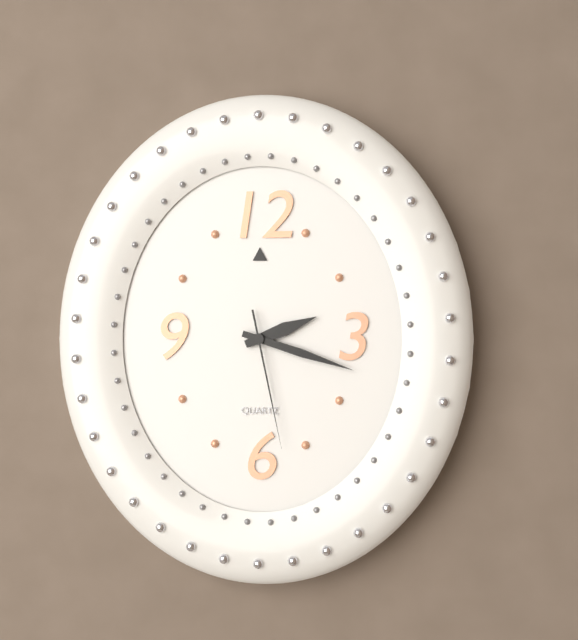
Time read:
2:18:28
